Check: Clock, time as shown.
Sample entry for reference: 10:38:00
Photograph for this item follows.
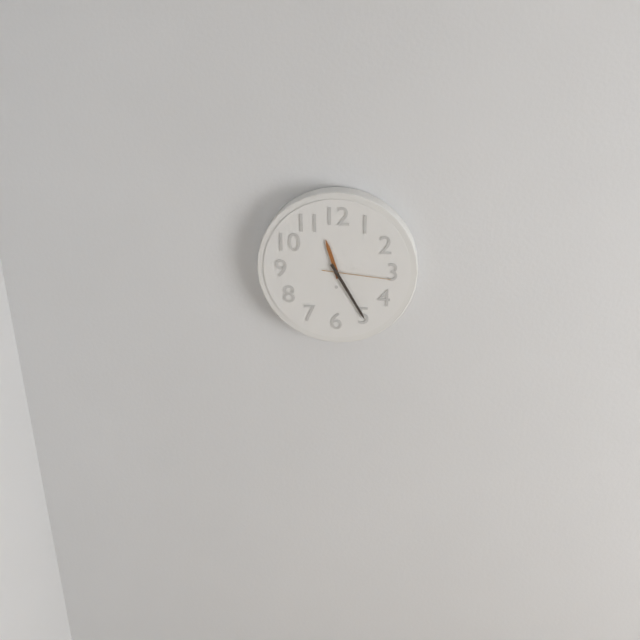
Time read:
11:25:16
